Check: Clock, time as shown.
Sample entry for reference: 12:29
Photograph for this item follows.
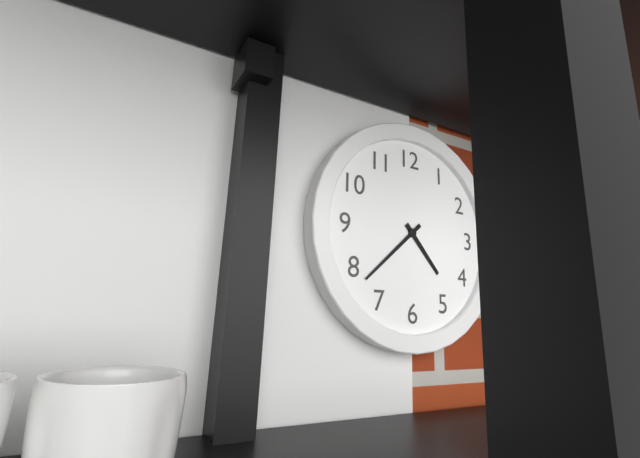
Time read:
4:38
